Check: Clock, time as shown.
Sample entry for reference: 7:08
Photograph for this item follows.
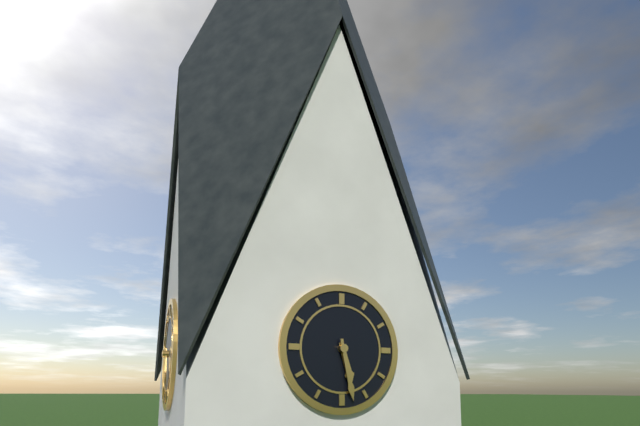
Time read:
5:28
